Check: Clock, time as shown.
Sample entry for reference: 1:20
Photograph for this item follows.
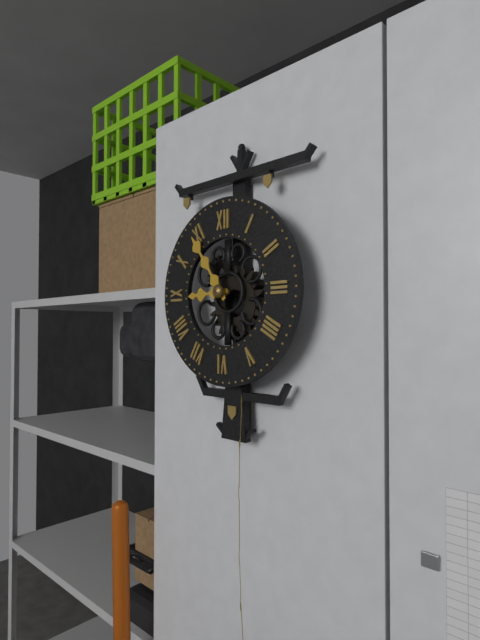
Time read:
8:54
